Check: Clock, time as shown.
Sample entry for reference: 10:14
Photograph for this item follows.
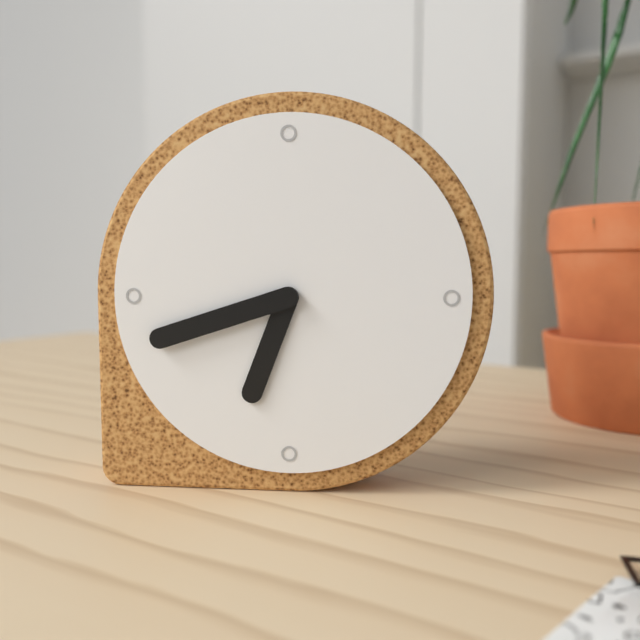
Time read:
6:42
